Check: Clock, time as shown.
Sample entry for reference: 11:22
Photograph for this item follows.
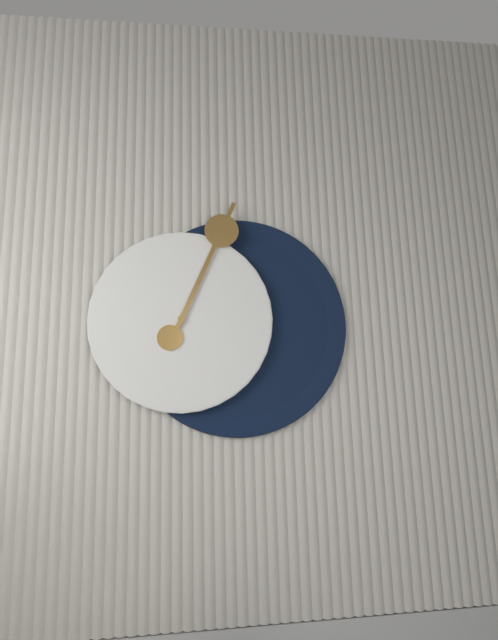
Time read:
7:04
